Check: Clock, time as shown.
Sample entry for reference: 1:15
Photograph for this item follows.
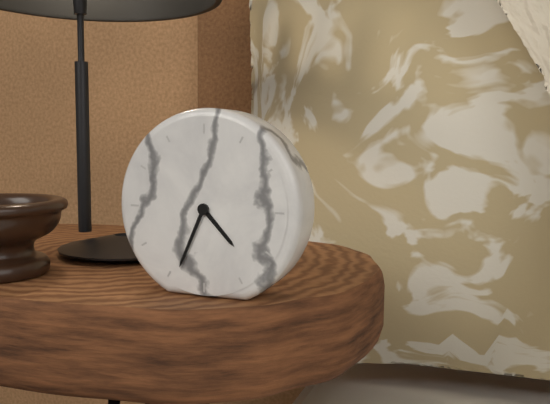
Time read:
4:34
